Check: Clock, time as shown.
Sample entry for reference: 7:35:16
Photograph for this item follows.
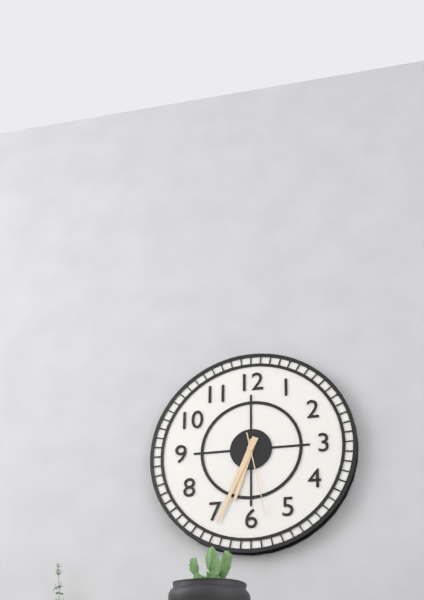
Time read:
6:34:28
